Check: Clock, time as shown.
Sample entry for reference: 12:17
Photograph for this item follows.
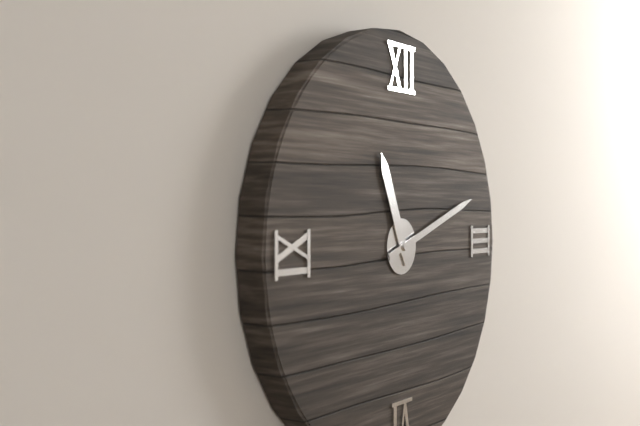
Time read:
11:12
